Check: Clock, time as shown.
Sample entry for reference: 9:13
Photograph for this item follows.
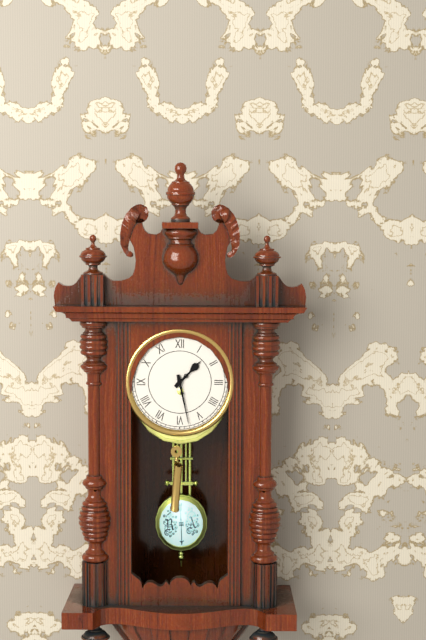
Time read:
1:28
